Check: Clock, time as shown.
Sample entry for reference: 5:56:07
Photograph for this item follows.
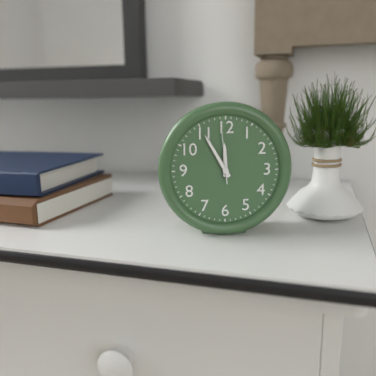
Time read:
11:55:59
